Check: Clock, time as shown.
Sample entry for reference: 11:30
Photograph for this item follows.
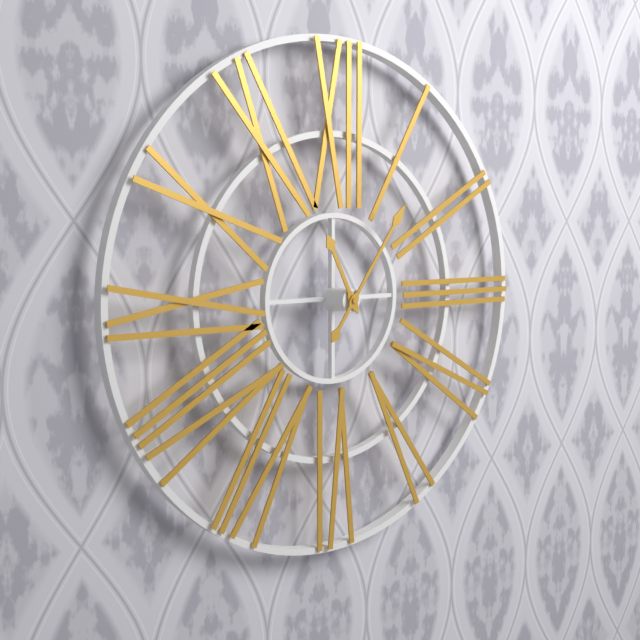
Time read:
11:06
